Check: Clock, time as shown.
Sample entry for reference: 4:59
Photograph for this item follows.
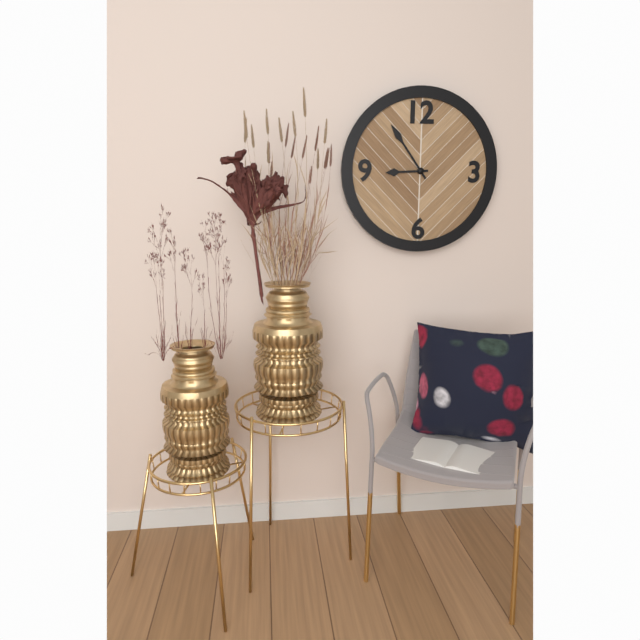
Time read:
8:54
